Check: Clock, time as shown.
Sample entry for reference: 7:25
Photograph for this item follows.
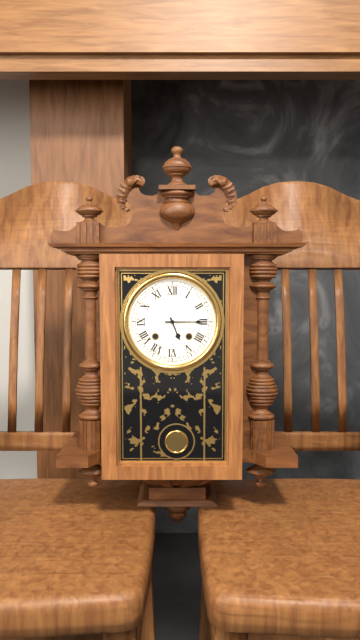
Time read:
5:15
